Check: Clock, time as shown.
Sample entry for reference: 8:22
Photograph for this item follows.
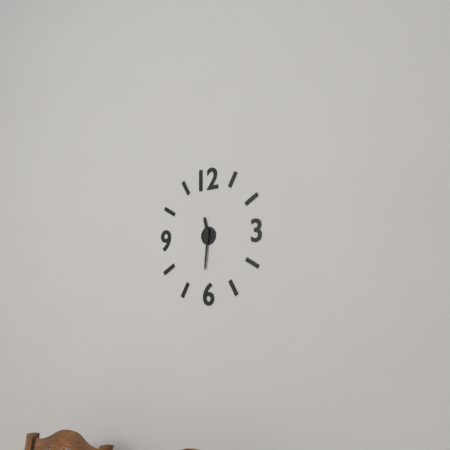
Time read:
11:31
